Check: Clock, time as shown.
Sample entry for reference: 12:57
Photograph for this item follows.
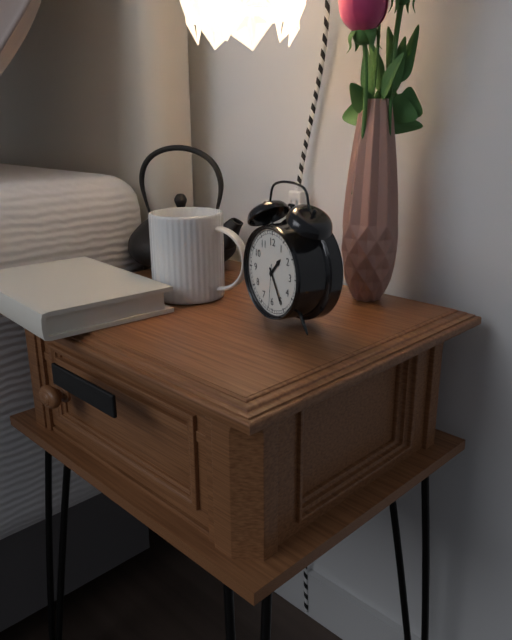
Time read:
1:25
